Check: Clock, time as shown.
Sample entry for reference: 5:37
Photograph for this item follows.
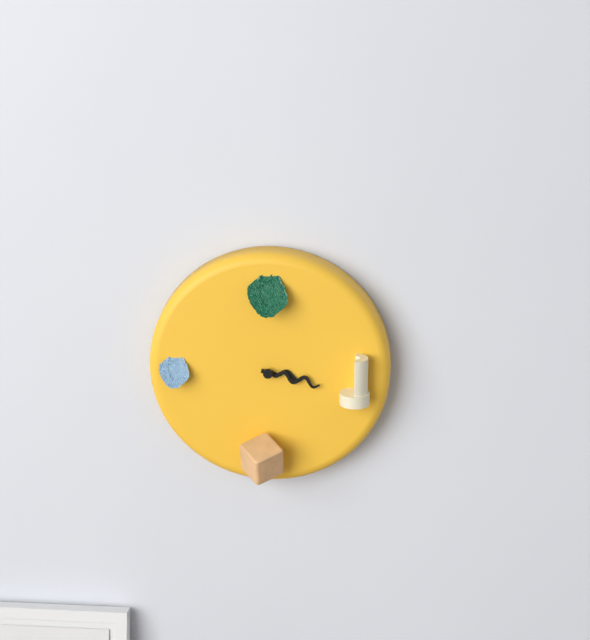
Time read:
3:17
